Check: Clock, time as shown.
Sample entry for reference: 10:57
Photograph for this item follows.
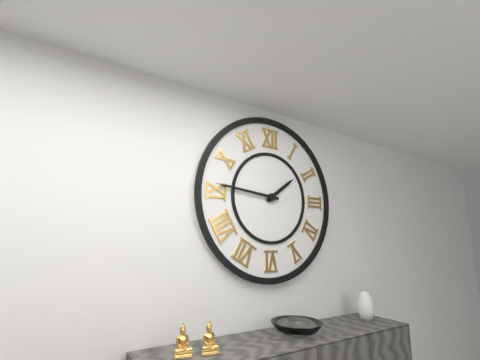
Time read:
1:46
